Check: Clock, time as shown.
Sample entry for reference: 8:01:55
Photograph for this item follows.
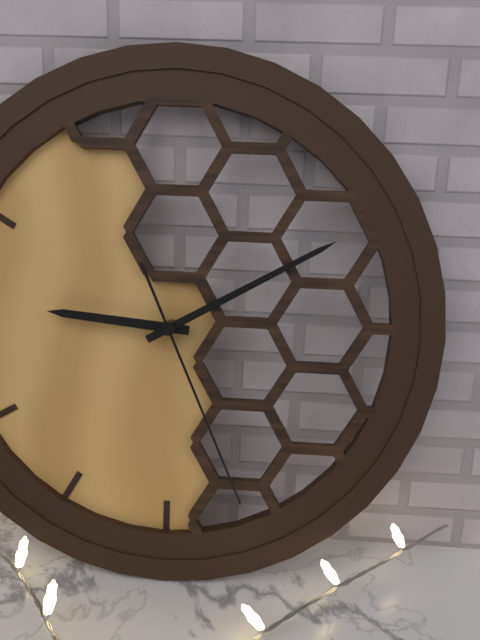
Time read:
9:10:26
